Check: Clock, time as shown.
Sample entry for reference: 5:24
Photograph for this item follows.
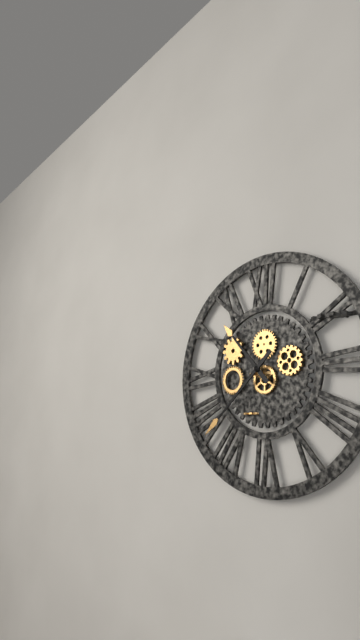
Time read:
10:38
